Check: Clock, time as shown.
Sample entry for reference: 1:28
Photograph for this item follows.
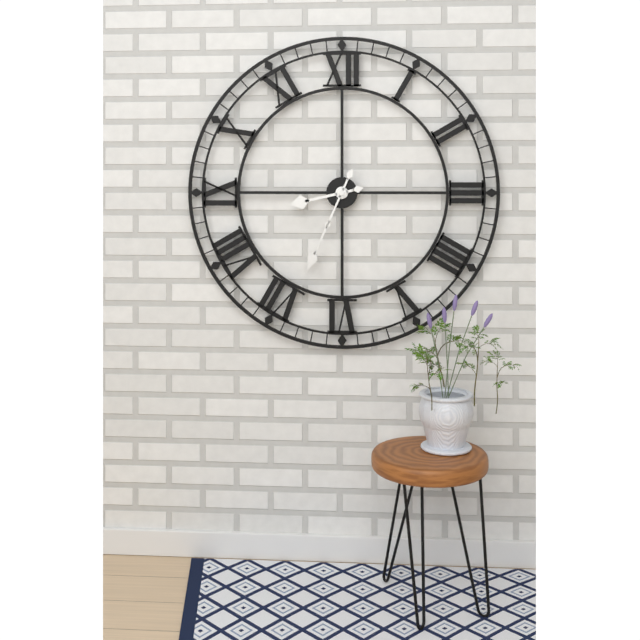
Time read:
8:34
